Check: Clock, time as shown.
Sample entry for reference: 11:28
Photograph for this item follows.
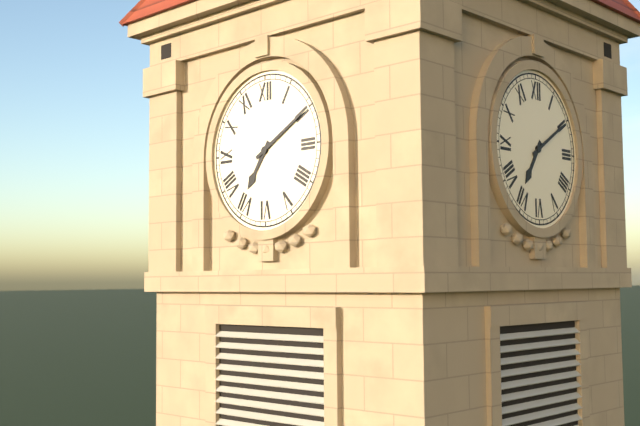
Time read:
7:10
